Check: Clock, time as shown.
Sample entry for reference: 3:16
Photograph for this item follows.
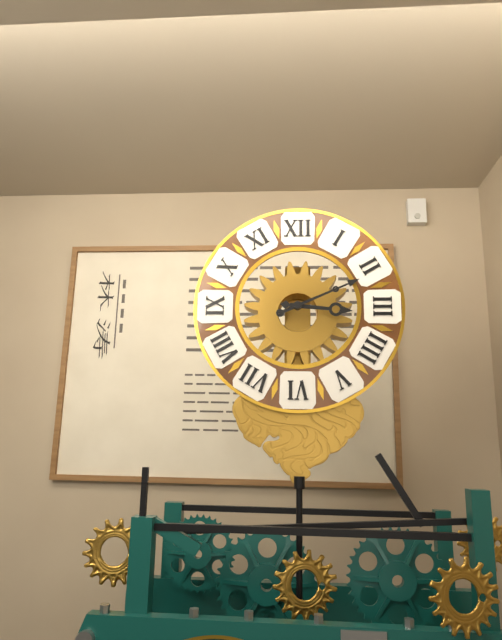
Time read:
3:11
